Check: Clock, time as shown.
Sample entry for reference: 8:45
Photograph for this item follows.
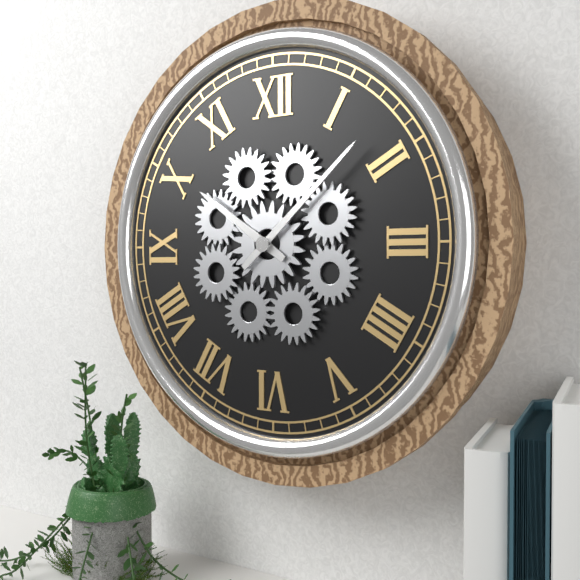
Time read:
10:08
